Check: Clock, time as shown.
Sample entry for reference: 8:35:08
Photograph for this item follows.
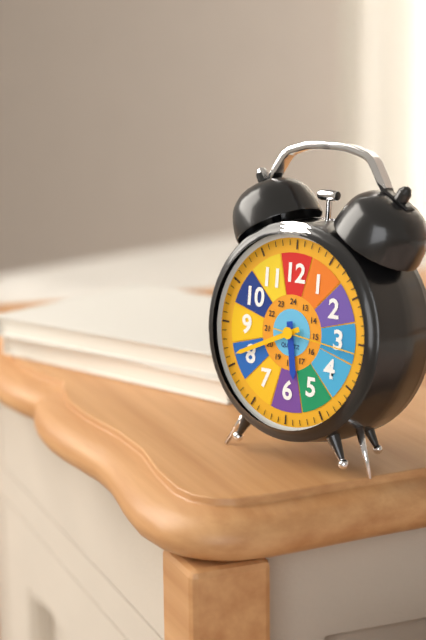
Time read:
5:41:16
